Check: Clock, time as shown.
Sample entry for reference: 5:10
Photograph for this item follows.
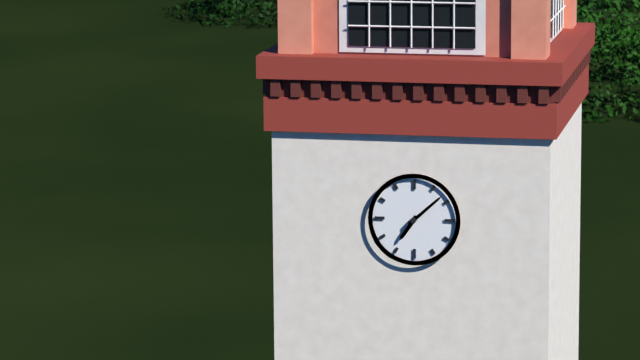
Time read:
7:08
